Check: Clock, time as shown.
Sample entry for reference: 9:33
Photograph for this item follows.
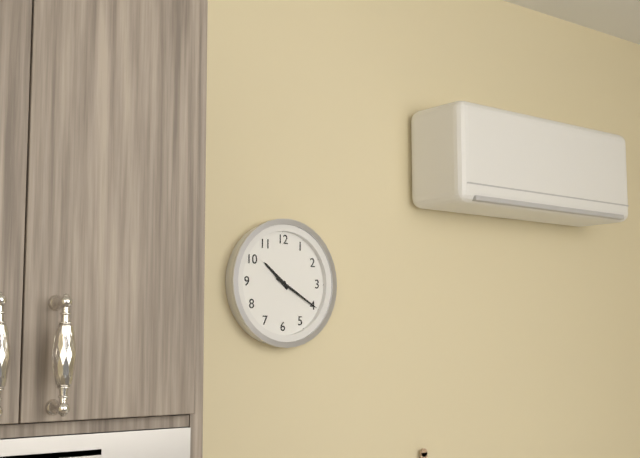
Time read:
10:20
